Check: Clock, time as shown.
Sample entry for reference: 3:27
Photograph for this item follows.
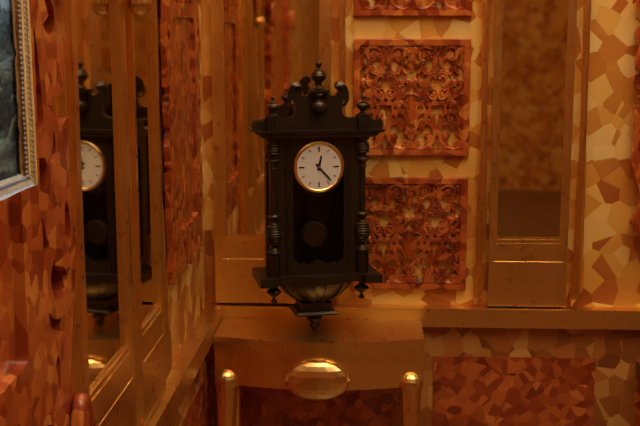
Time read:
12:23
